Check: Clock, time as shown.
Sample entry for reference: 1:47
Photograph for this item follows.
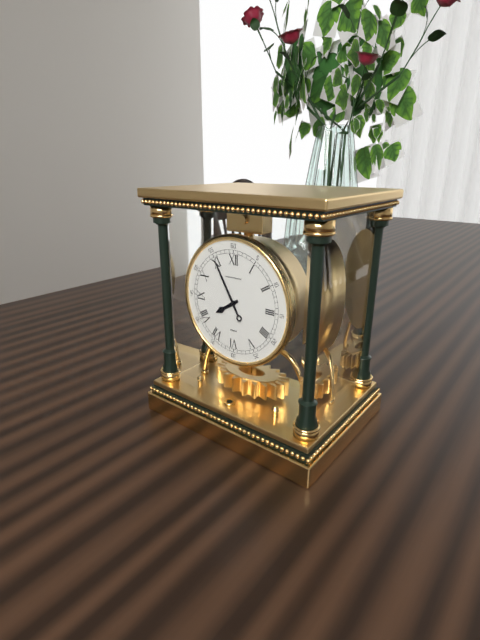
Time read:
7:55
